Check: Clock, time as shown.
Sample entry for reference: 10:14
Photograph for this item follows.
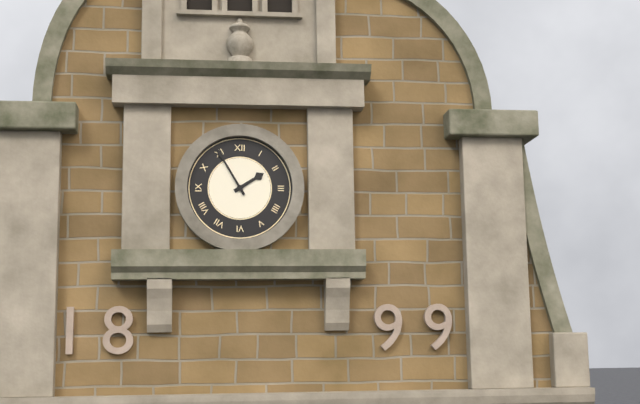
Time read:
1:55
